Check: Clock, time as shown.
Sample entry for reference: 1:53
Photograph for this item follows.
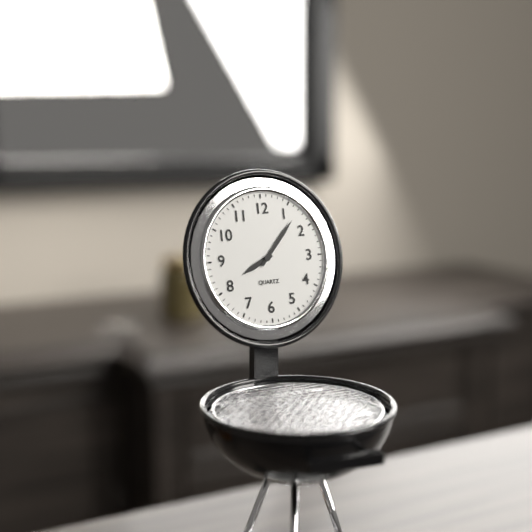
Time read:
8:07
